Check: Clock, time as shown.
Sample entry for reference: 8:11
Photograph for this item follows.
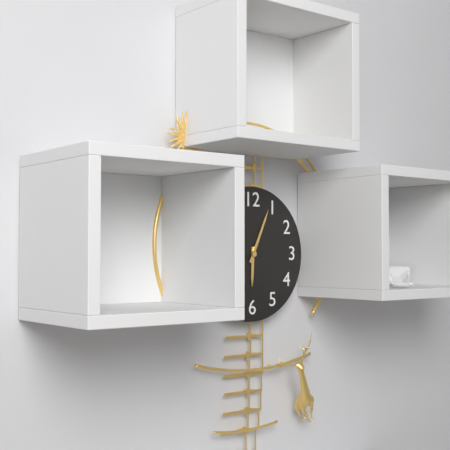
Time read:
6:04
